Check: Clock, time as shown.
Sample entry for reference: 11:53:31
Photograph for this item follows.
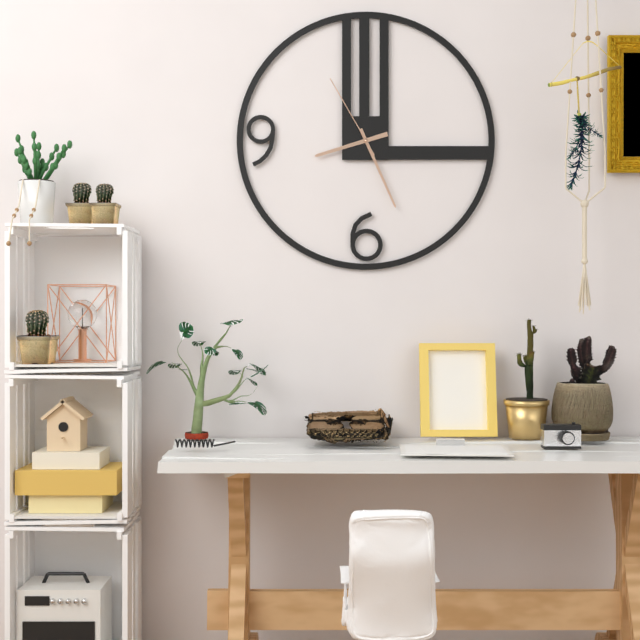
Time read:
8:26:55
